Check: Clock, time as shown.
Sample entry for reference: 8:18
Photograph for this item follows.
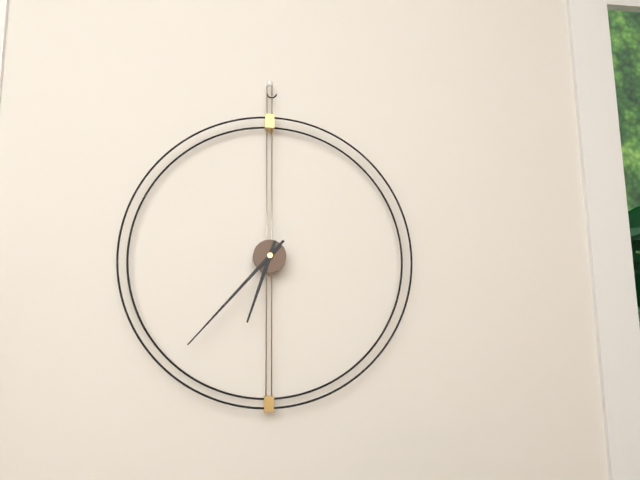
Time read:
6:37
